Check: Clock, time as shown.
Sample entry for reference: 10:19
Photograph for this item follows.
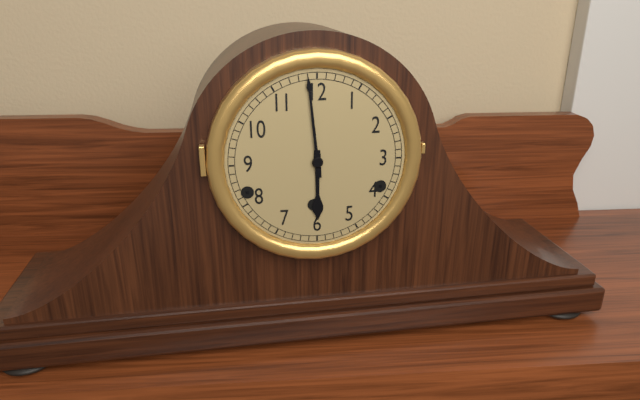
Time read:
5:59
